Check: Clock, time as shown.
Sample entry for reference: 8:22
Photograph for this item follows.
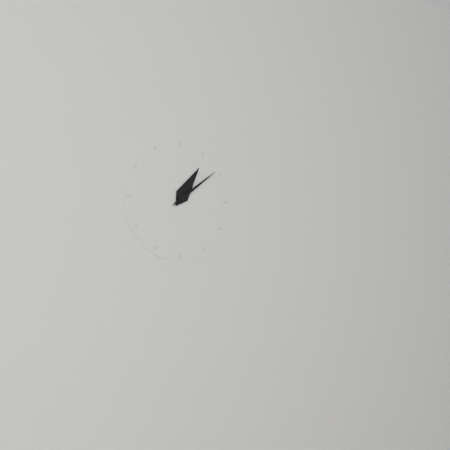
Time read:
1:09
